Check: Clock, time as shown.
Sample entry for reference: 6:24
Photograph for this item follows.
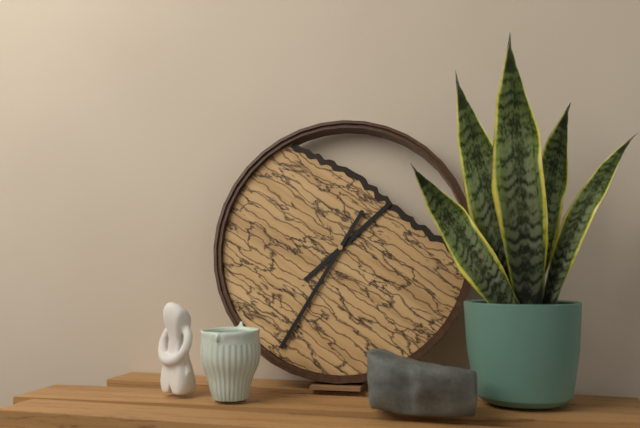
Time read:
1:35
